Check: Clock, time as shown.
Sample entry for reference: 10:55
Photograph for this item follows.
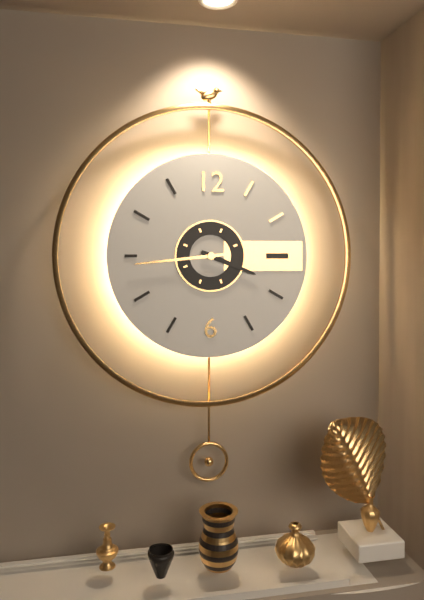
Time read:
3:44
